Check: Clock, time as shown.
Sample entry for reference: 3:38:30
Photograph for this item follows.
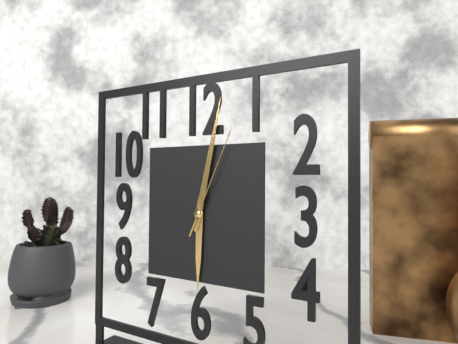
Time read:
6:02:04
